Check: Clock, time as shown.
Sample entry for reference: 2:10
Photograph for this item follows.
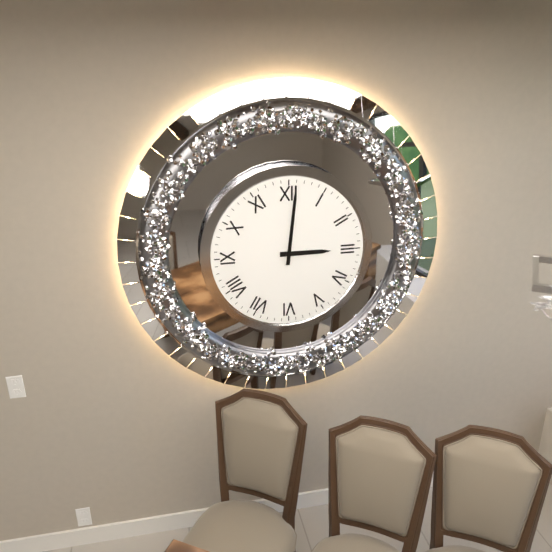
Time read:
3:01
